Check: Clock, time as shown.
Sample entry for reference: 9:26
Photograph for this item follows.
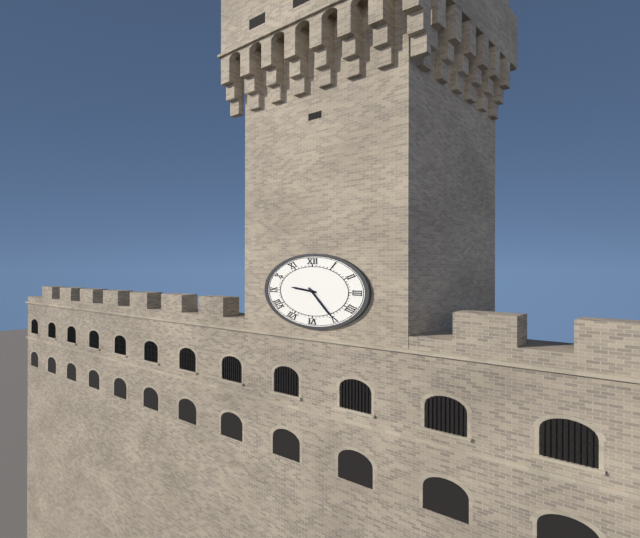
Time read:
9:25
